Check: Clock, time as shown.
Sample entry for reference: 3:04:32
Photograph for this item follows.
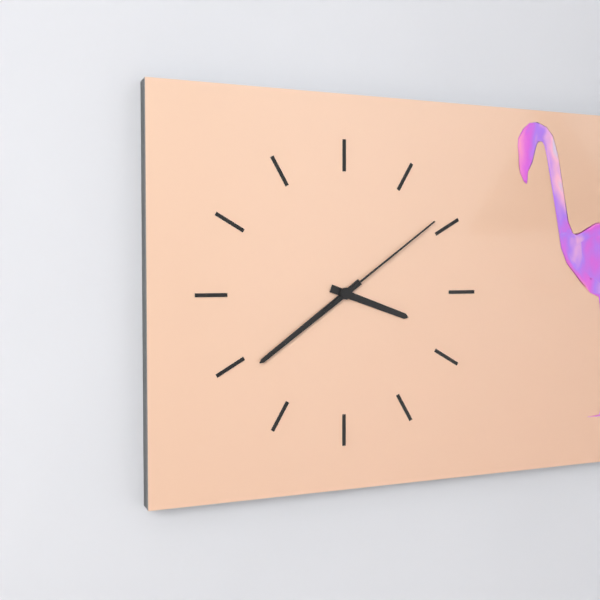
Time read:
3:39:09
